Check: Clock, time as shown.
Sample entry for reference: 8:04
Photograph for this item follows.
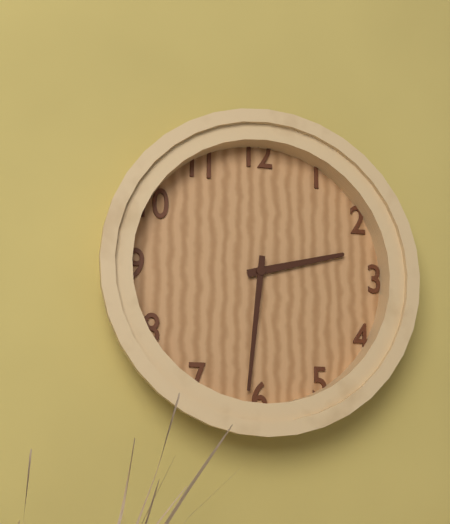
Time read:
2:31
